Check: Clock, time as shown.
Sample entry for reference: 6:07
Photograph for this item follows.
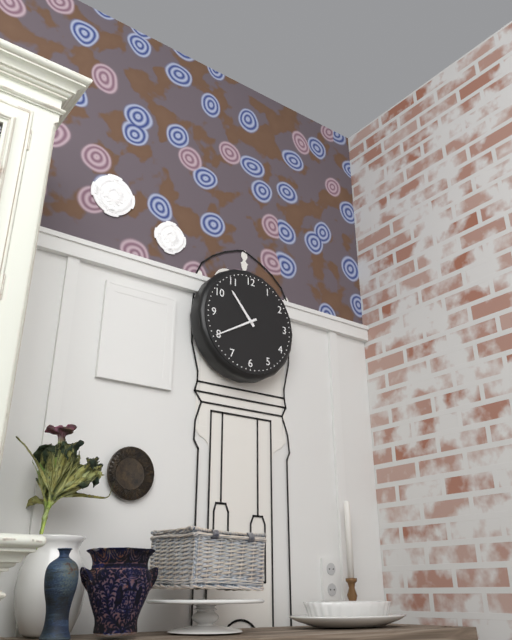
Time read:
10:40
